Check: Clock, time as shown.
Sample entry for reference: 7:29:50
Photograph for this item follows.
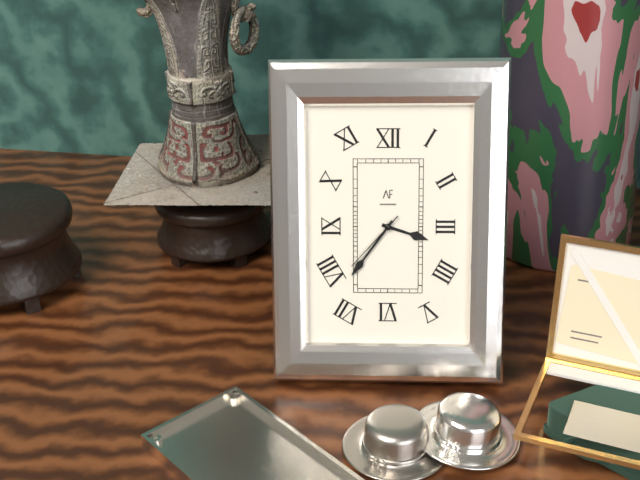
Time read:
3:36:37
